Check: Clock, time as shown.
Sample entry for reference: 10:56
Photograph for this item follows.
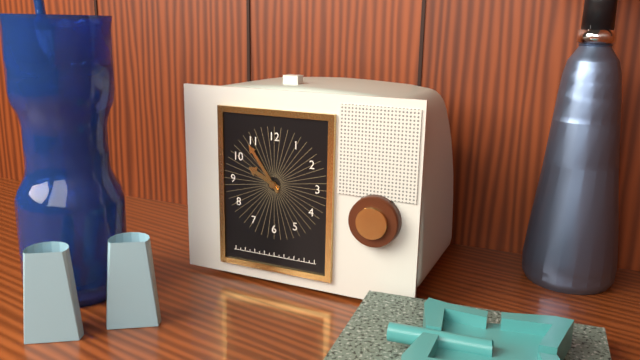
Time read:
9:54
